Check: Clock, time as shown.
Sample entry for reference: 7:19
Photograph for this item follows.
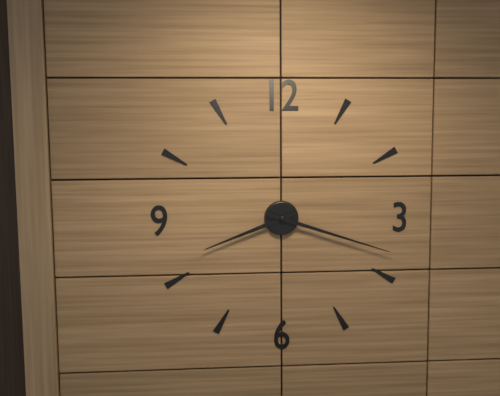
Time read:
8:18
